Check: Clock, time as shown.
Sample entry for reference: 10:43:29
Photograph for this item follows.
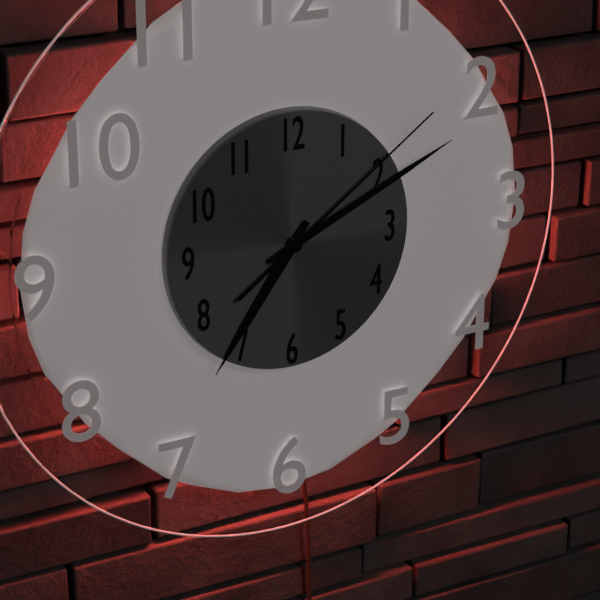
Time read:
7:11:09
